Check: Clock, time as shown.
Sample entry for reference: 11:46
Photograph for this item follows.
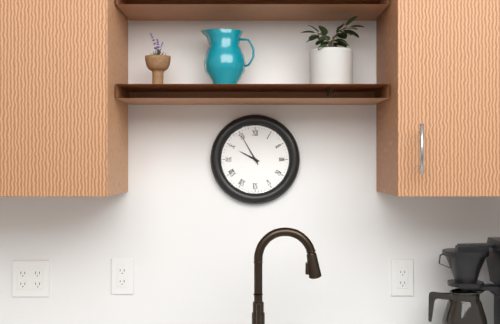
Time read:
9:55
